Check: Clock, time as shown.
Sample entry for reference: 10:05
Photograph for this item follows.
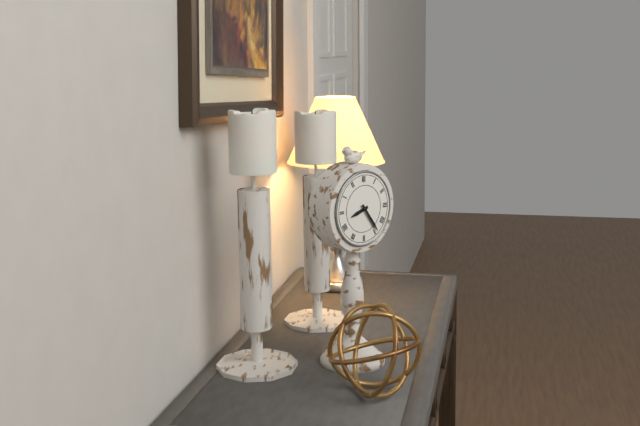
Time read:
8:24
